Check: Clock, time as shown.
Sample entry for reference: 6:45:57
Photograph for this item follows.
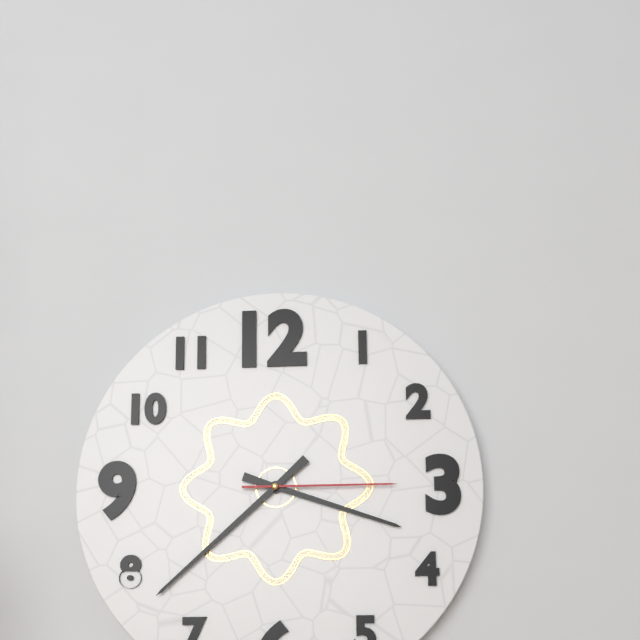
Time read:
3:38:15
